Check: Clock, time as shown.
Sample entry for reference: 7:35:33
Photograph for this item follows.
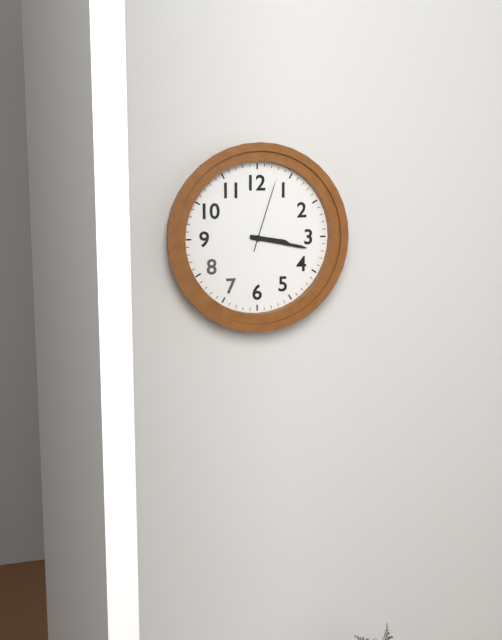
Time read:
3:17:03
